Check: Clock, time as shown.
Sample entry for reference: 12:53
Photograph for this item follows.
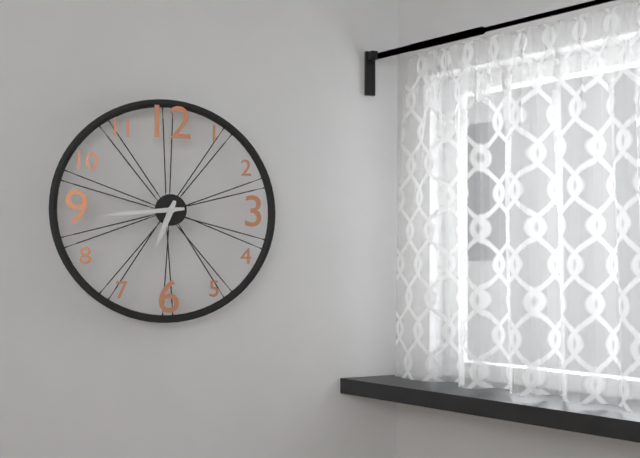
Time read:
6:44
